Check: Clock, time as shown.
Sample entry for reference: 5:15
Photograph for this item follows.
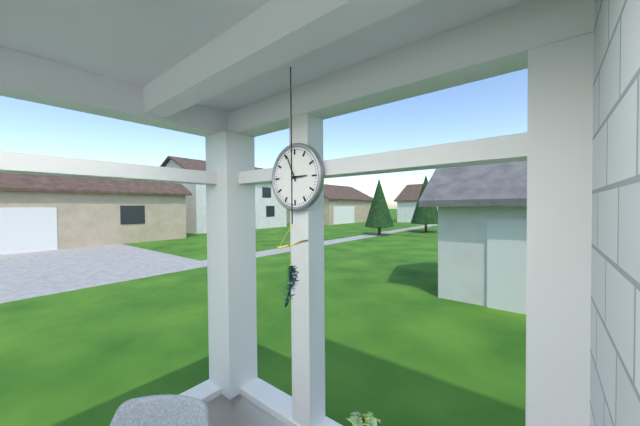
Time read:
2:56
